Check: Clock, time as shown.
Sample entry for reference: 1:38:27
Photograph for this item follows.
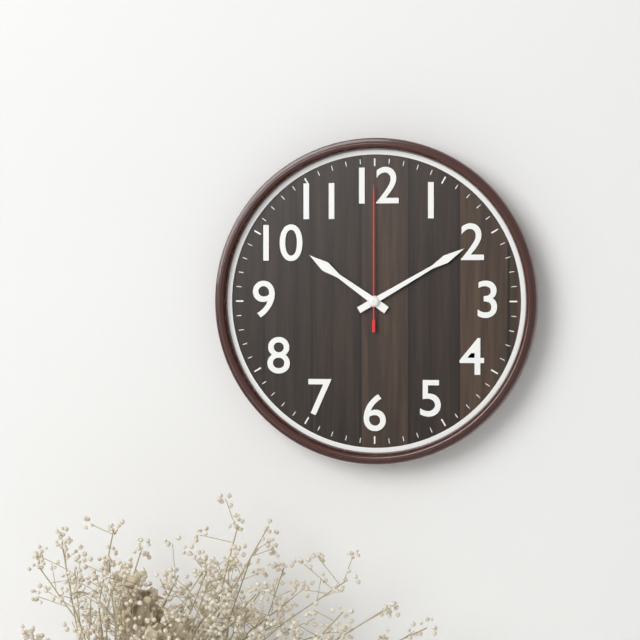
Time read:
10:10:00
